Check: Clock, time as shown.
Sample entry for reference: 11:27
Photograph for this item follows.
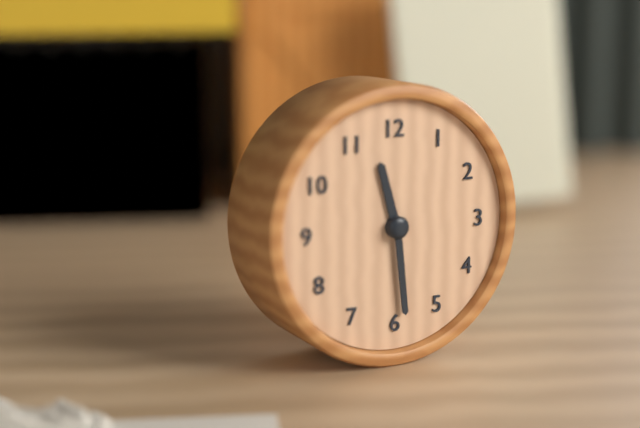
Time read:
11:29
